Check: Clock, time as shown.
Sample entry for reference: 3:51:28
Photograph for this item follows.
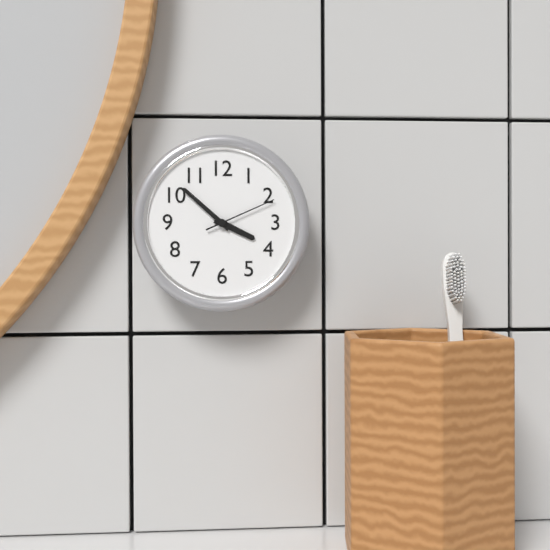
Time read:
3:52:11
